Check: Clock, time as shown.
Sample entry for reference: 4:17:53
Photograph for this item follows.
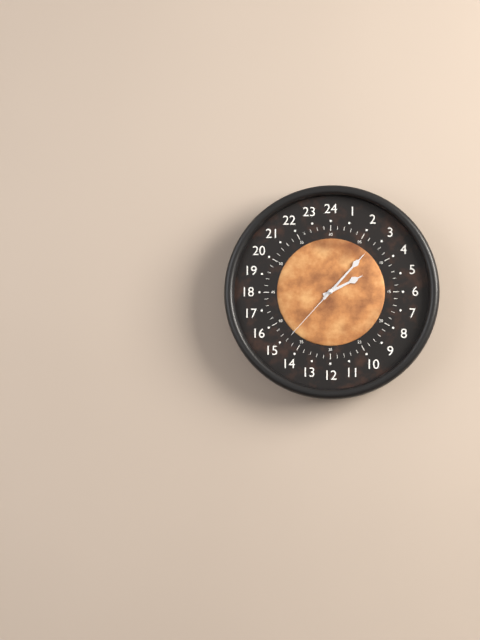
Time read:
2:07:37
